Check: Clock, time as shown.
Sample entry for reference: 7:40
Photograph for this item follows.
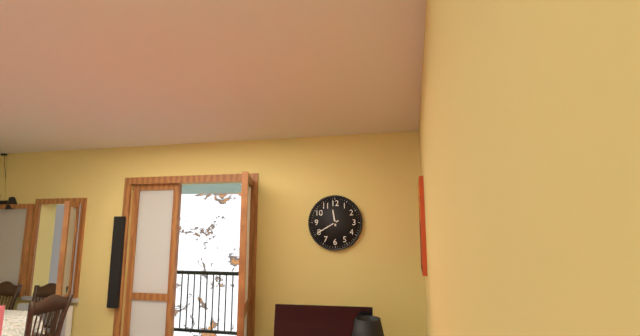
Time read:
11:40
